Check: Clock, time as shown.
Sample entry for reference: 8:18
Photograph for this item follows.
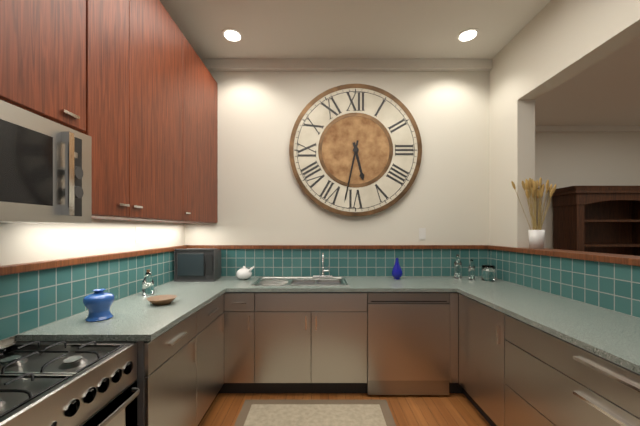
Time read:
5:32
